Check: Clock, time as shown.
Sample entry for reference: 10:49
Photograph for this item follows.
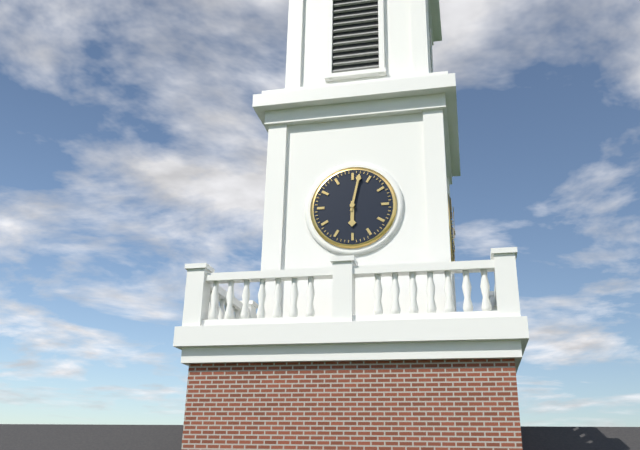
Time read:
6:02
